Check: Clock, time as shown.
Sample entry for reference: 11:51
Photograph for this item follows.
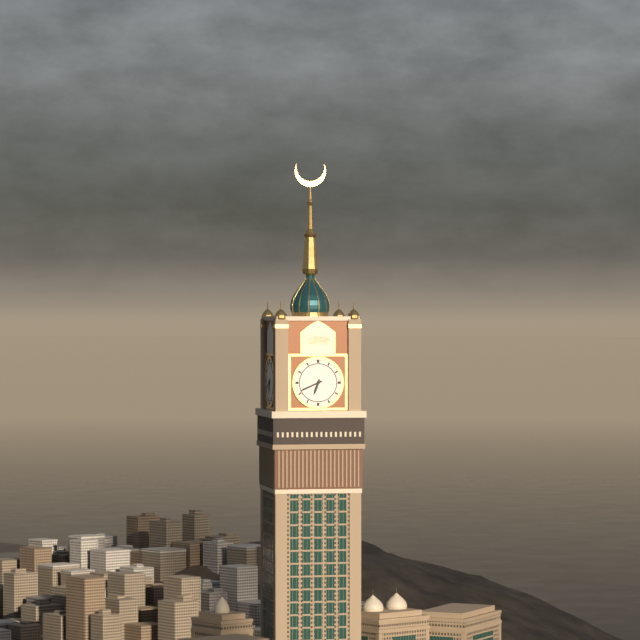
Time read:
6:41
